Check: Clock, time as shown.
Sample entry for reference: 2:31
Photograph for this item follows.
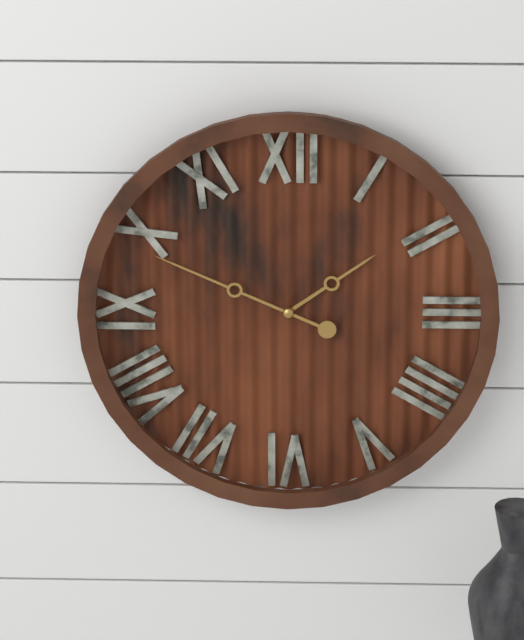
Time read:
1:49
